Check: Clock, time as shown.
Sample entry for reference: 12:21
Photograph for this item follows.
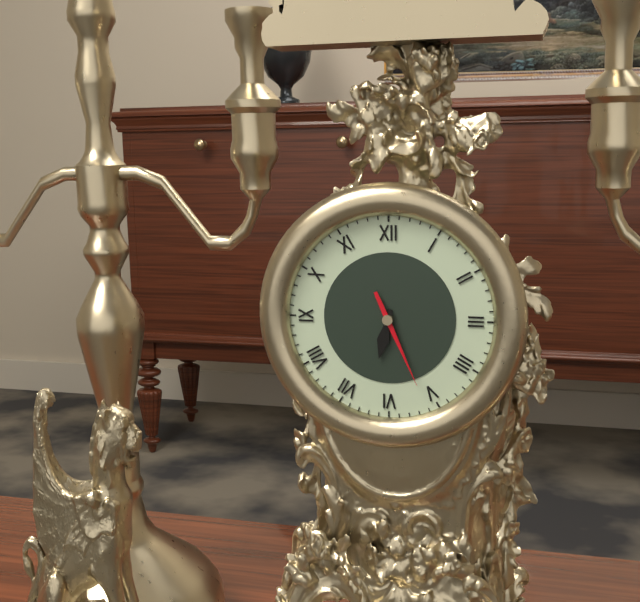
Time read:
6:26
